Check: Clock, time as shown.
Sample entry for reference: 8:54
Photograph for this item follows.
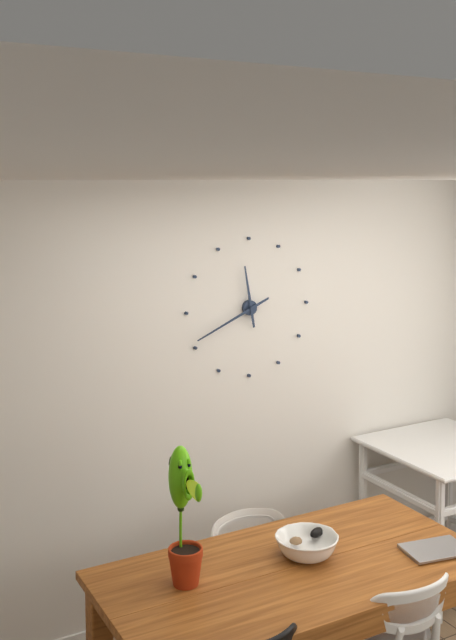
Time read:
11:41
